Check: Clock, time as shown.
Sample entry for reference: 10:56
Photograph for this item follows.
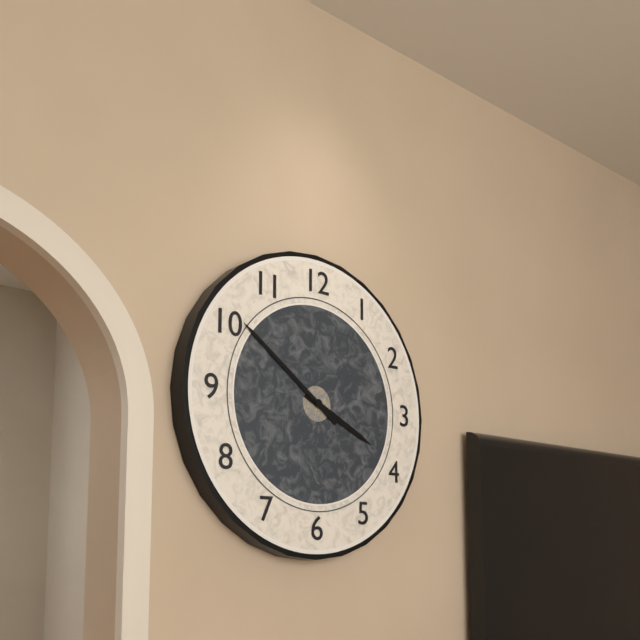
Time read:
3:51
